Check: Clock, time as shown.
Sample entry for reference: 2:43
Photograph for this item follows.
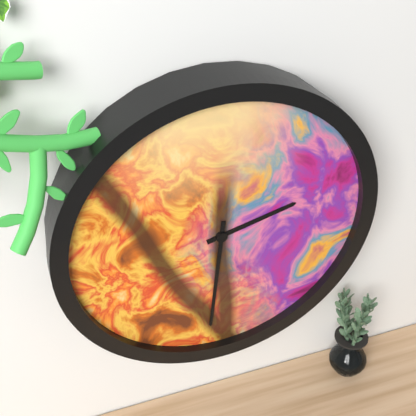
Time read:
2:31
